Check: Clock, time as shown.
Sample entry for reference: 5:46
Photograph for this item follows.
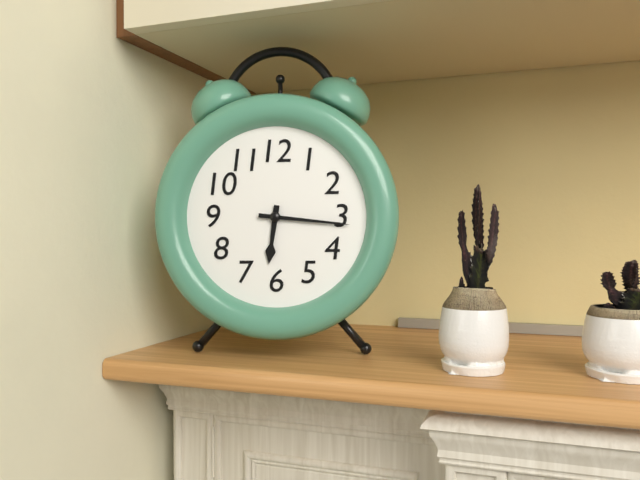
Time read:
6:16
